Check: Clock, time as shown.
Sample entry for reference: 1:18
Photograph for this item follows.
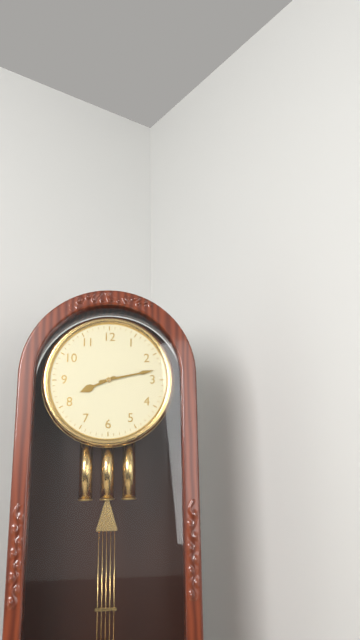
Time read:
8:13
